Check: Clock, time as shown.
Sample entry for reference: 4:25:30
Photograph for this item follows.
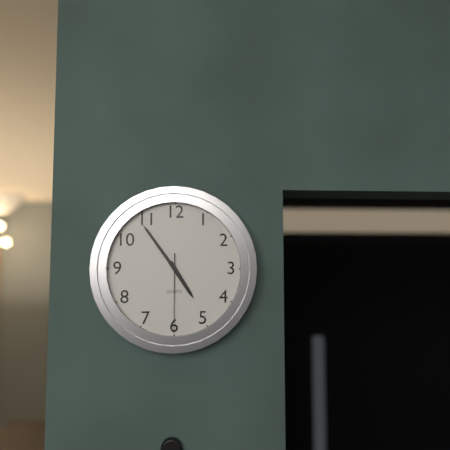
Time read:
4:54:30
